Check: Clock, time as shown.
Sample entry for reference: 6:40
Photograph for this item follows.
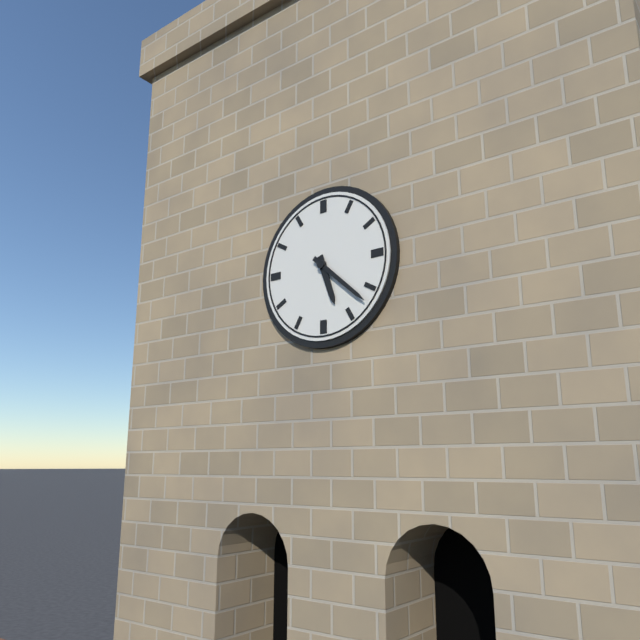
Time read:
5:22
